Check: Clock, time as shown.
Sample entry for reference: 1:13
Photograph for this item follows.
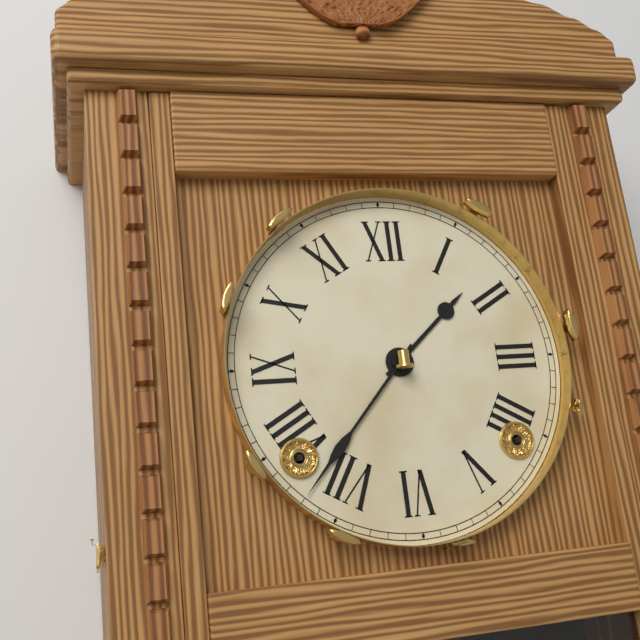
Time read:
1:37
